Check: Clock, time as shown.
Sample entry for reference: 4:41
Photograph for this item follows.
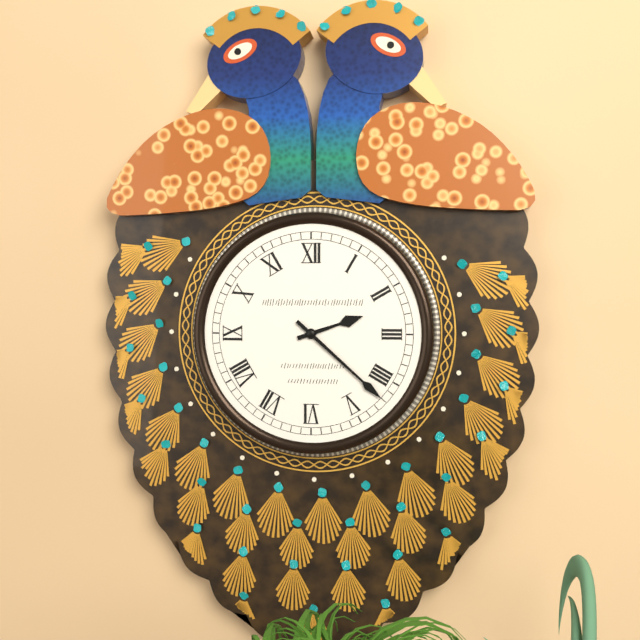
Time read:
2:22
